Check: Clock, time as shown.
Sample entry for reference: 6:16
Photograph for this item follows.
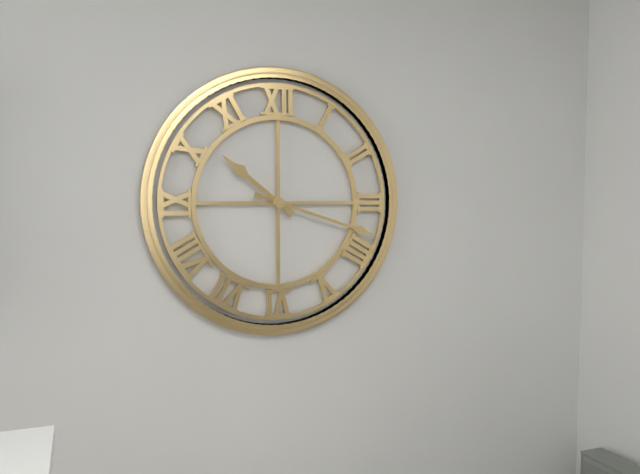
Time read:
10:18
